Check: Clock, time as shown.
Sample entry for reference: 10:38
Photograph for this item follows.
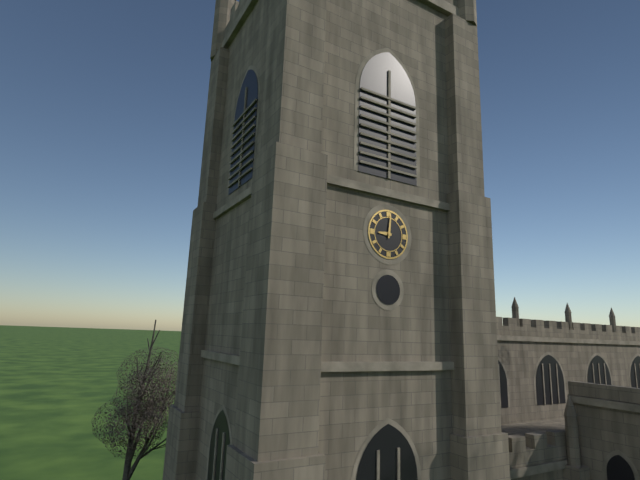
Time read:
9:01
